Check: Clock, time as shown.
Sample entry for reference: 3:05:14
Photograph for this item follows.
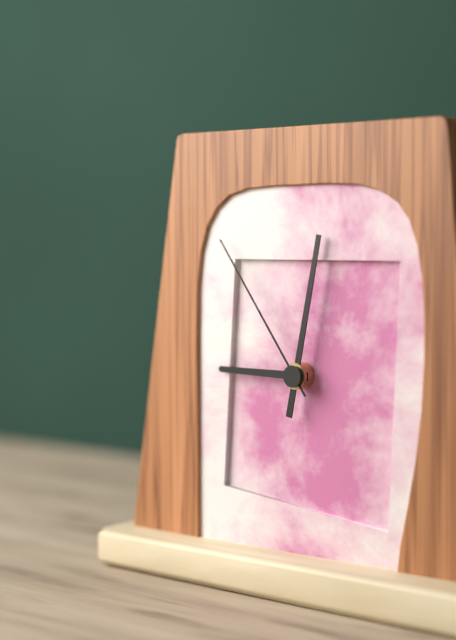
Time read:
9:02:54
